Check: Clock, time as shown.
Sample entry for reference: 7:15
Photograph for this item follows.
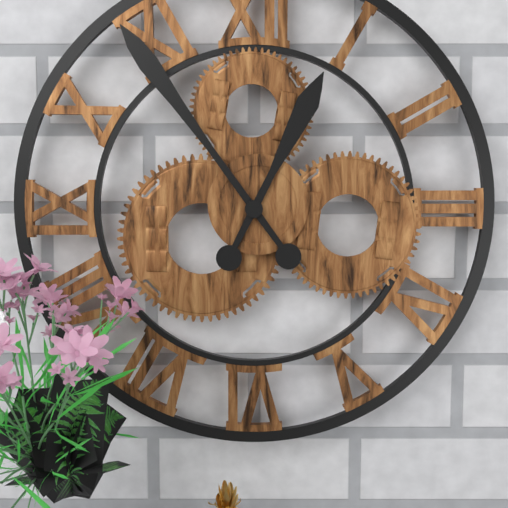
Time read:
12:54
